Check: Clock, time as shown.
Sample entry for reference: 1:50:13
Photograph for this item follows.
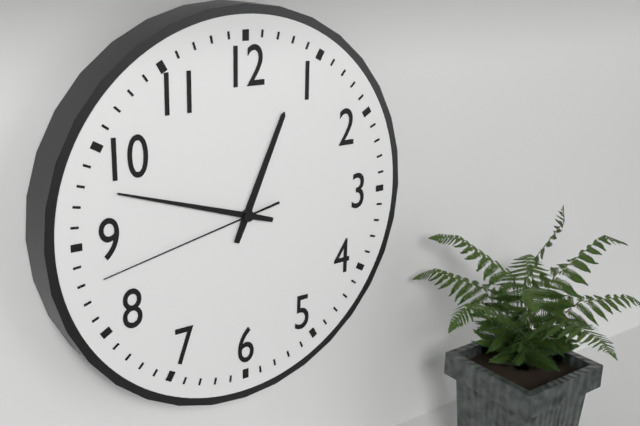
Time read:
12:48:43
